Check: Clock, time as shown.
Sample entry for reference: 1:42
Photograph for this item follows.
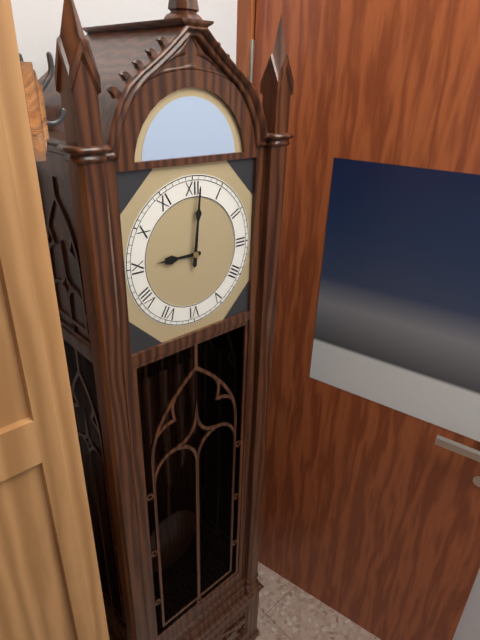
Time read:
9:01
